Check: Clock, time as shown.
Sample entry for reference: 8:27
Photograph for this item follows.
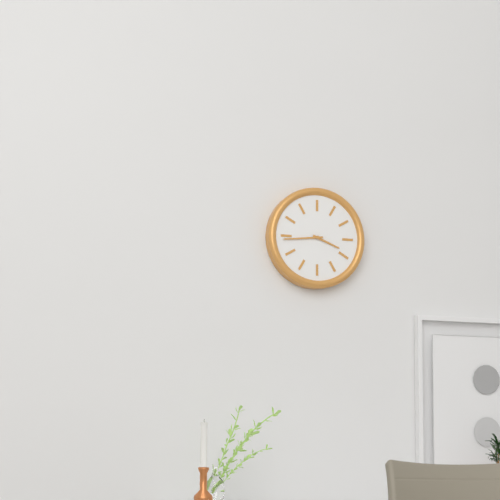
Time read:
3:44
